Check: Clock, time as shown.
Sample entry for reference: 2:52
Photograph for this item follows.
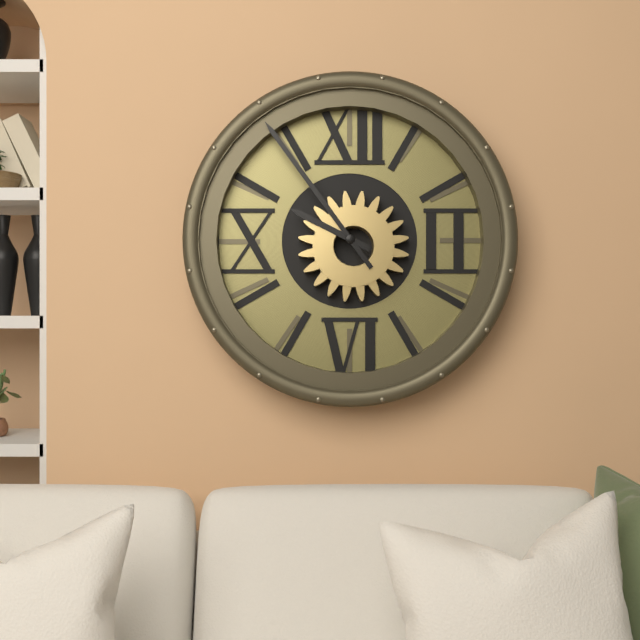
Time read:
9:54
